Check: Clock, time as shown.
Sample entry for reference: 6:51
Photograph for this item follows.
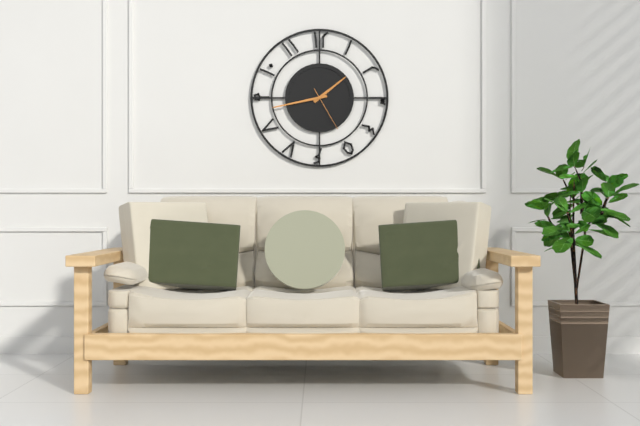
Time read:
1:43
